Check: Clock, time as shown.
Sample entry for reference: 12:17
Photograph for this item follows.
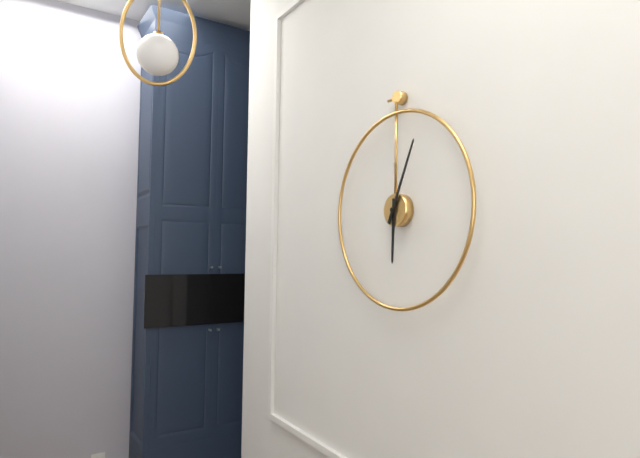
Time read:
6:04
